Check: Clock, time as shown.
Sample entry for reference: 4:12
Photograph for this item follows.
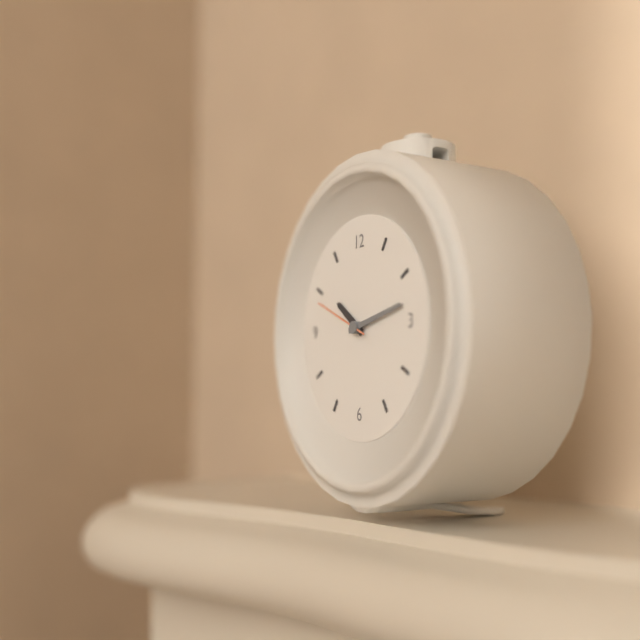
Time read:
10:13
